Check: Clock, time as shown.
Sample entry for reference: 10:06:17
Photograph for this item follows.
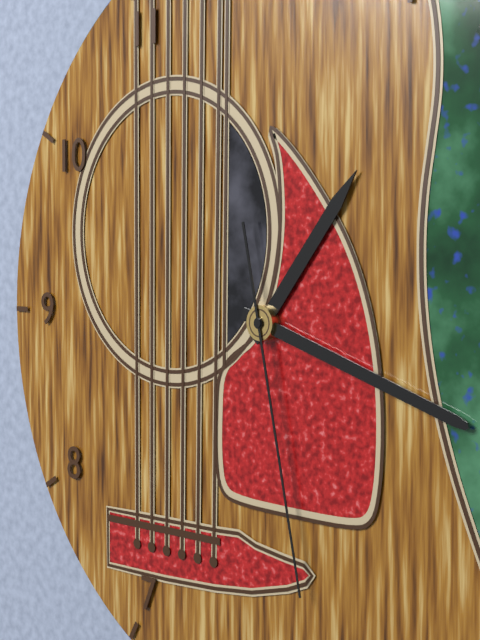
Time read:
1:18:28
